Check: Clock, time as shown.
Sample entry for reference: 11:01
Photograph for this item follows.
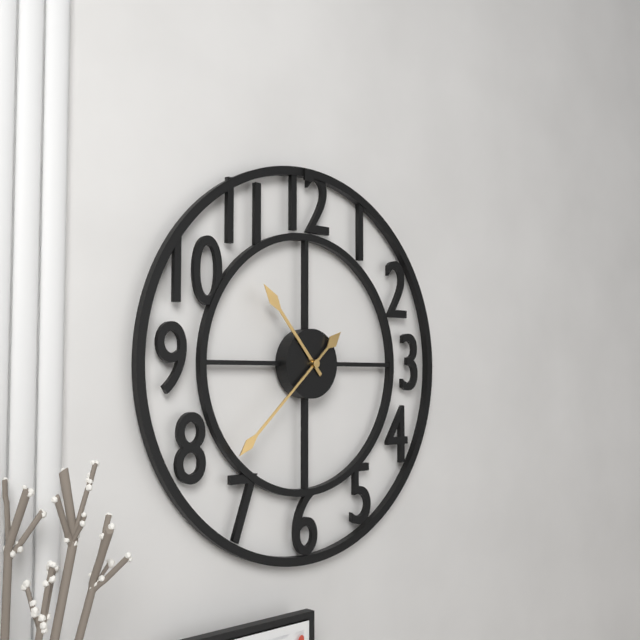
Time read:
10:38
